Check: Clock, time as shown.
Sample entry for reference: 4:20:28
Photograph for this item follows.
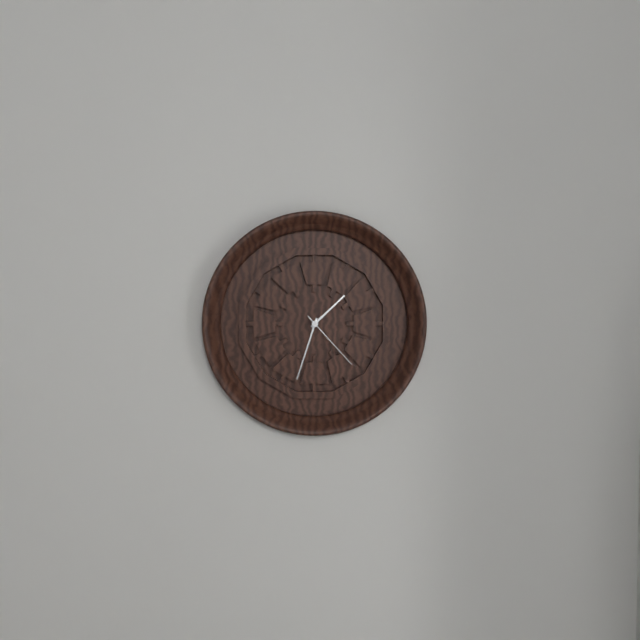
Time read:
1:33:23
